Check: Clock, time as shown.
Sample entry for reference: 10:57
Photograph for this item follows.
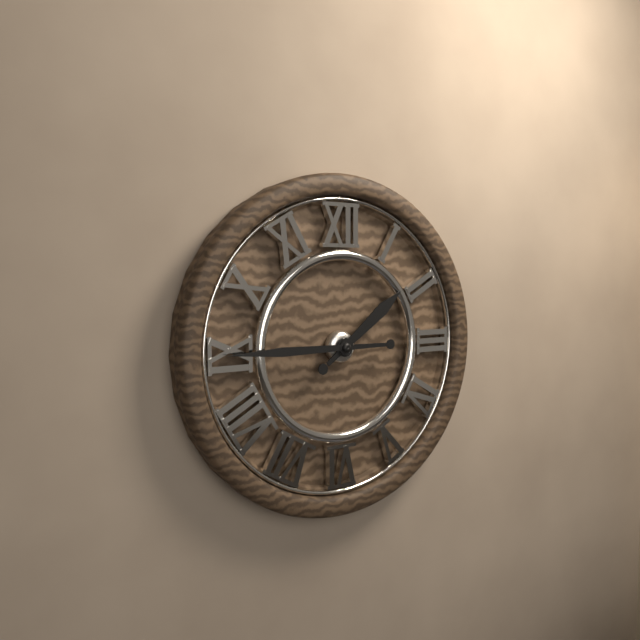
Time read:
1:45
